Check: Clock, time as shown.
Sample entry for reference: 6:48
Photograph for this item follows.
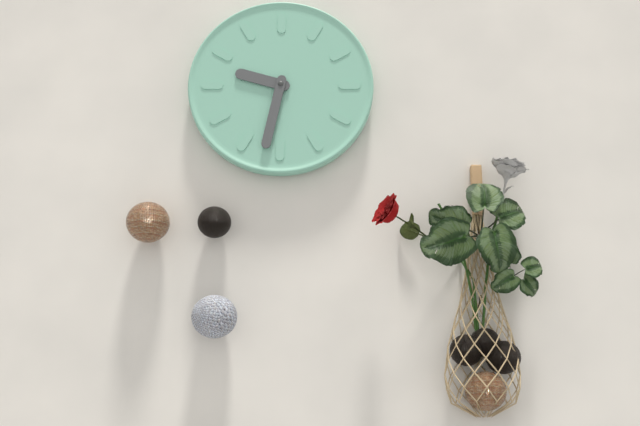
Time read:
9:32
